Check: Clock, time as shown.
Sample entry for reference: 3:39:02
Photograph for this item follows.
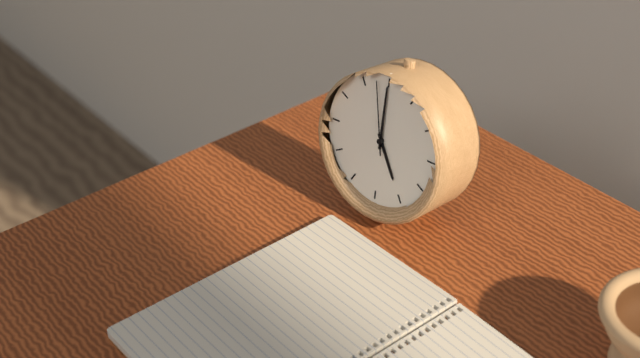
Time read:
5:00:58
